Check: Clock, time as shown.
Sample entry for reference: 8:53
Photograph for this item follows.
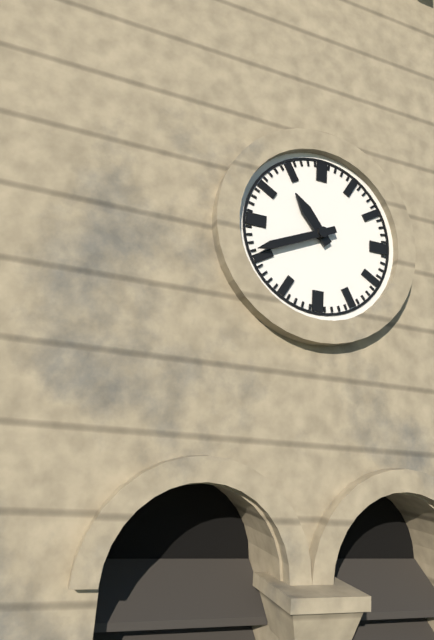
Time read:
10:41
